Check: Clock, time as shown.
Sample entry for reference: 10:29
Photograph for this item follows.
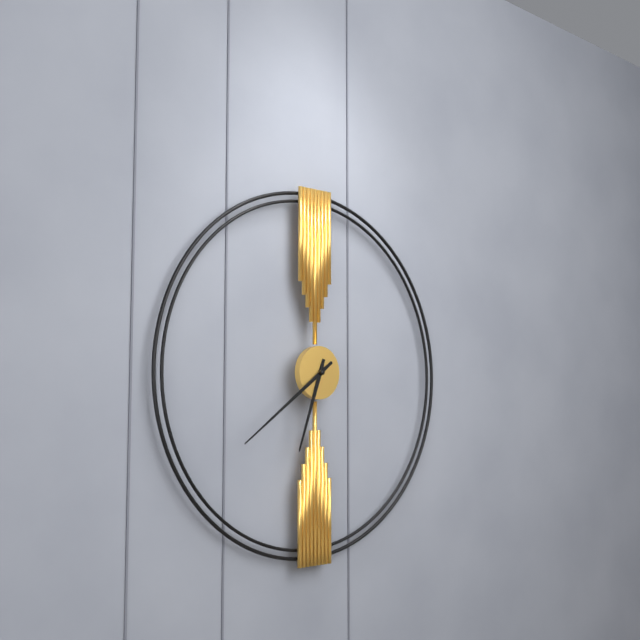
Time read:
6:39
